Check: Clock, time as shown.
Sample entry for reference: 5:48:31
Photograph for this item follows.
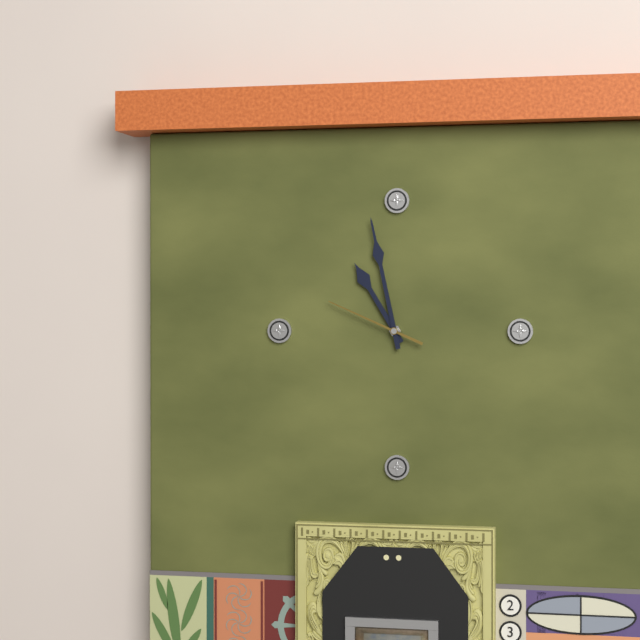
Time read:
10:58:49
